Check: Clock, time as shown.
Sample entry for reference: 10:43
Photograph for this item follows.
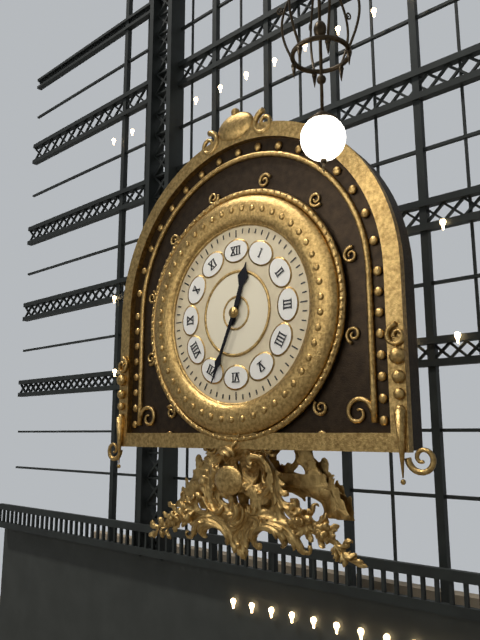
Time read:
12:34
